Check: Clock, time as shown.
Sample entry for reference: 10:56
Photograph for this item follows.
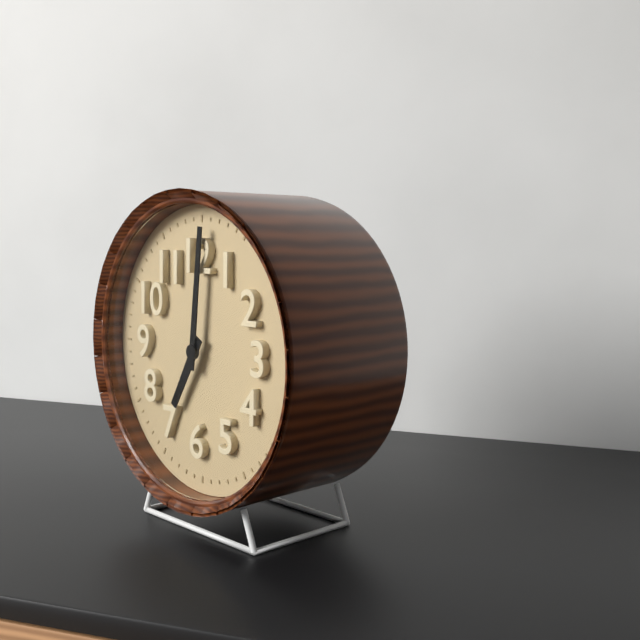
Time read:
7:01
